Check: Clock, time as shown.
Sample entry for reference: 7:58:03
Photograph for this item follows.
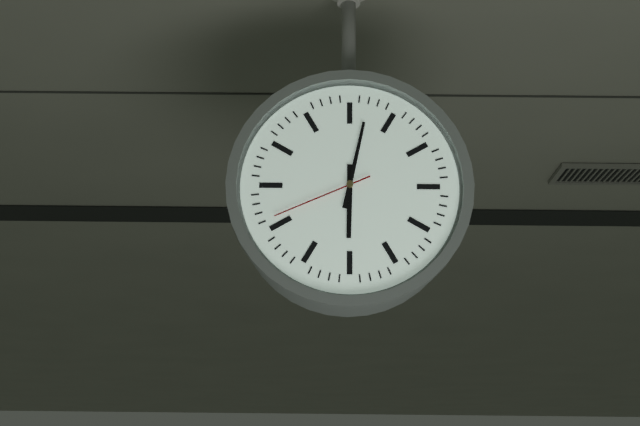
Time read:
6:02:41
